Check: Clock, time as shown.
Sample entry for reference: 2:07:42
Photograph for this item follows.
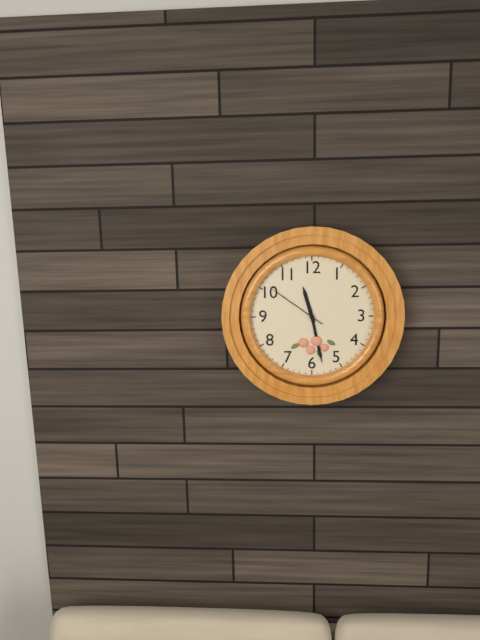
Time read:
11:28:51
